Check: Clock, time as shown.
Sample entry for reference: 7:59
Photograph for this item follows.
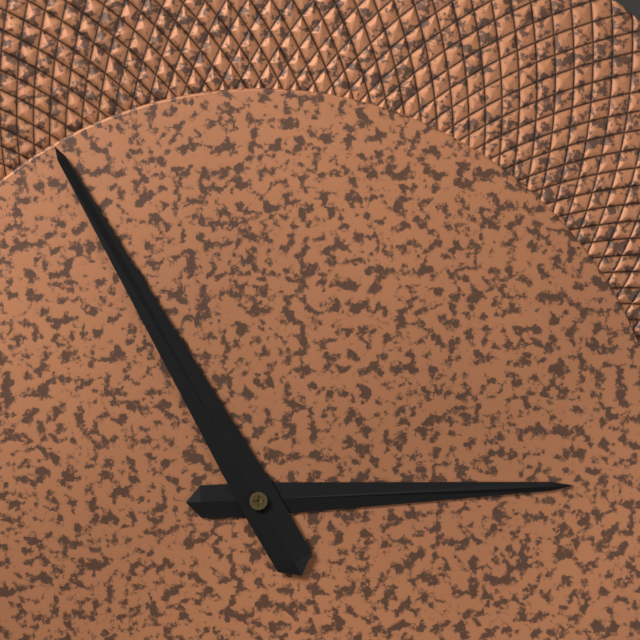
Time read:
2:55
